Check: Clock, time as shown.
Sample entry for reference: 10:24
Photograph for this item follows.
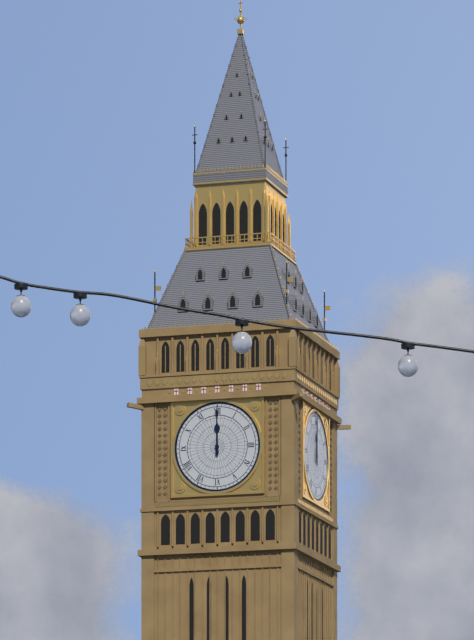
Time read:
12:00
